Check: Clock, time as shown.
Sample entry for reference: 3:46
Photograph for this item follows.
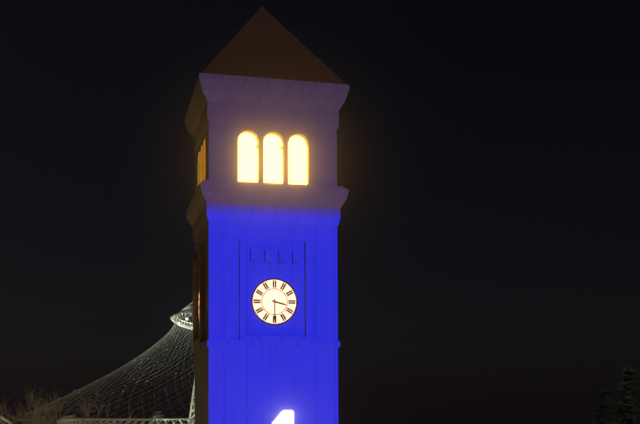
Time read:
3:30
